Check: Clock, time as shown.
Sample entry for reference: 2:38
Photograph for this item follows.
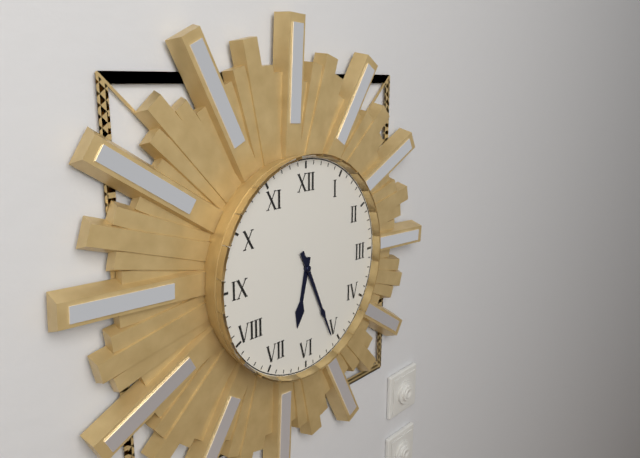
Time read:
6:26
